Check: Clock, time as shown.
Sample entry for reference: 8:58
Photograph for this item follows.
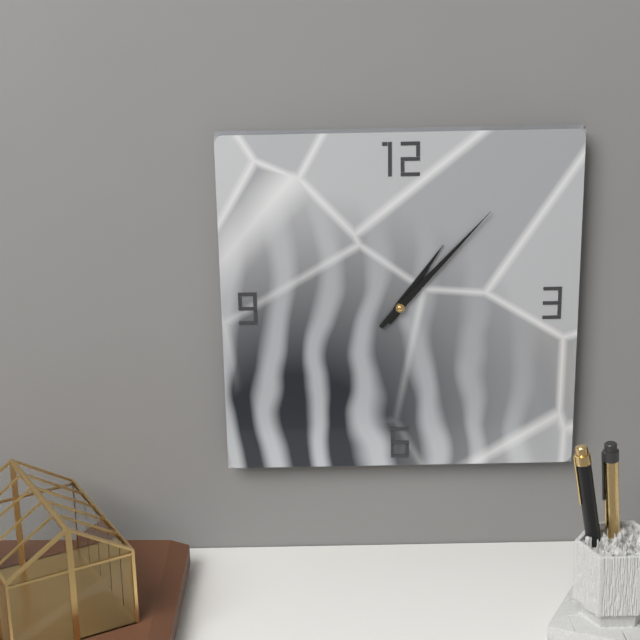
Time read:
1:07
